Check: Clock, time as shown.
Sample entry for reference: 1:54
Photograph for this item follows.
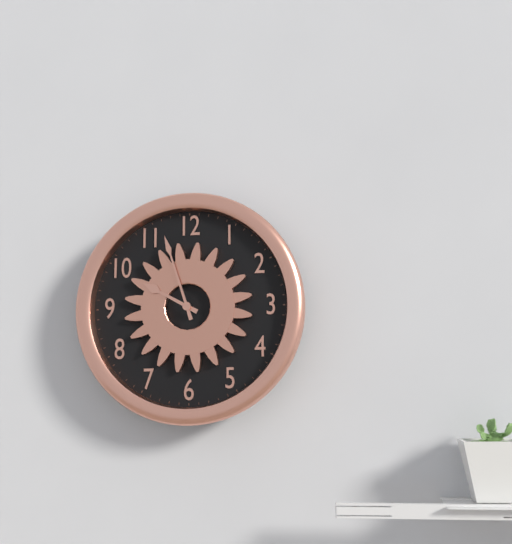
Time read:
9:57
